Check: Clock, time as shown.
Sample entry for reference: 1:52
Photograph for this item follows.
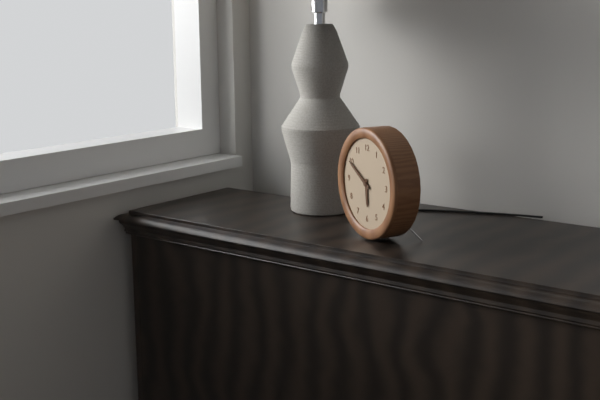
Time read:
5:50
